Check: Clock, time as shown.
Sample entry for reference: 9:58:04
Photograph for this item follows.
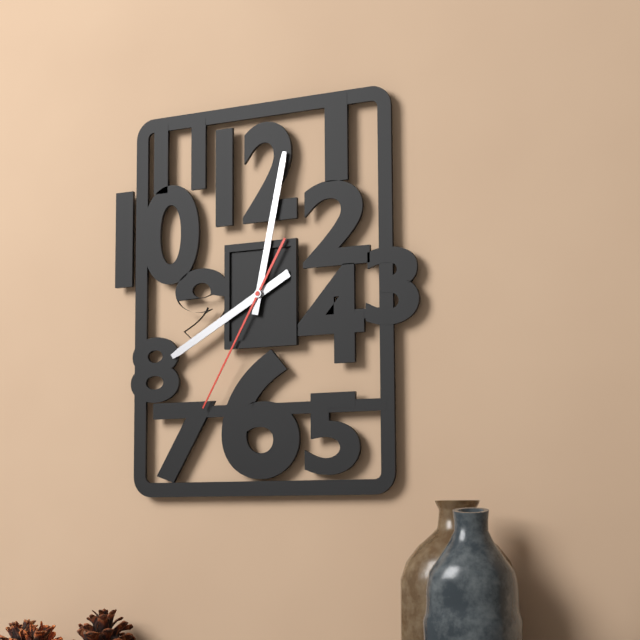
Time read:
8:02:35
